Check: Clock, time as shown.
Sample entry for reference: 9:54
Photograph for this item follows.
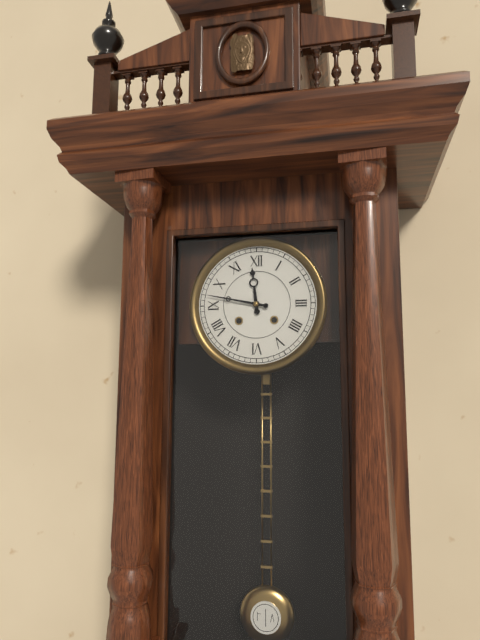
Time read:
11:47
